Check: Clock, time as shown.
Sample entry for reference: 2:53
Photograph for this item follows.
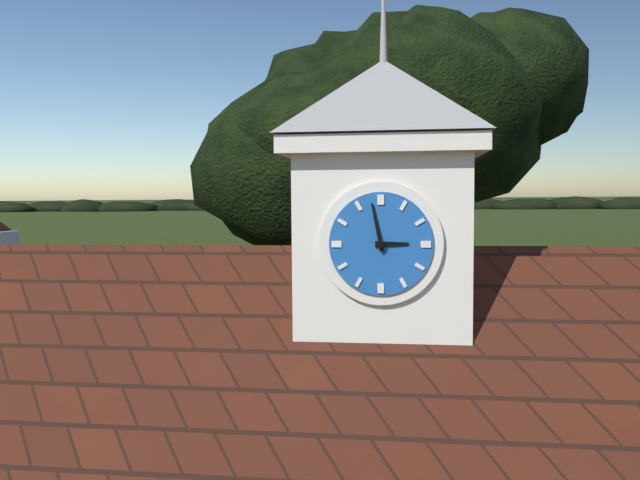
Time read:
2:58
